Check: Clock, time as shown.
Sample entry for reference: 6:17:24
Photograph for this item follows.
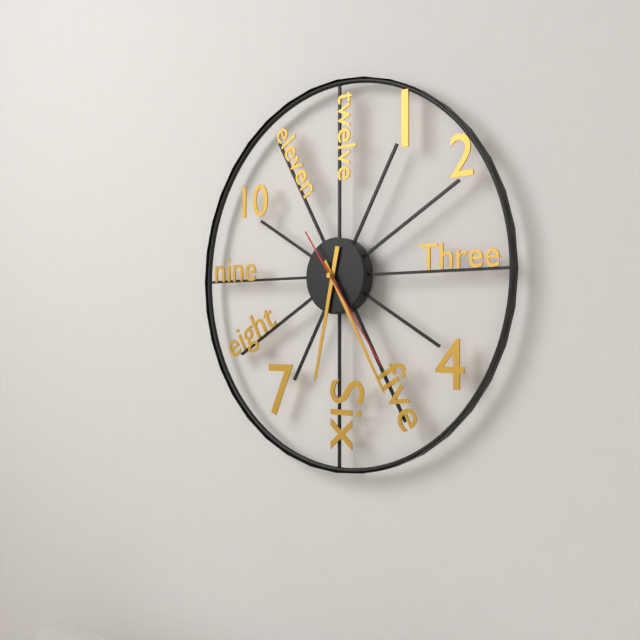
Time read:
6:25:24
